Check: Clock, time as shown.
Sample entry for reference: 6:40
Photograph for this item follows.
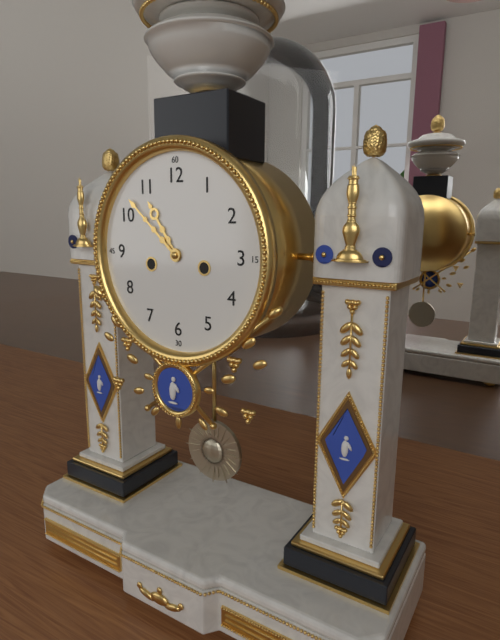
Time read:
10:52
